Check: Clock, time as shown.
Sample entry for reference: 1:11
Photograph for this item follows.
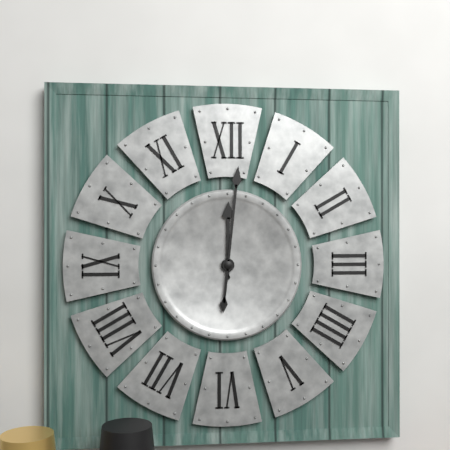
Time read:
12:01
